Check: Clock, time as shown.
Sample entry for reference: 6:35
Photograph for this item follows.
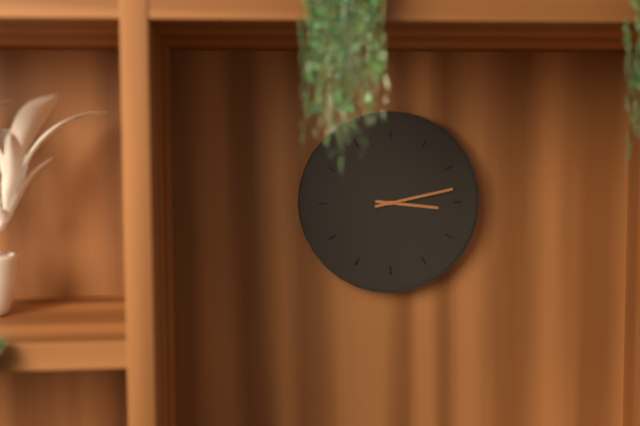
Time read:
3:13
